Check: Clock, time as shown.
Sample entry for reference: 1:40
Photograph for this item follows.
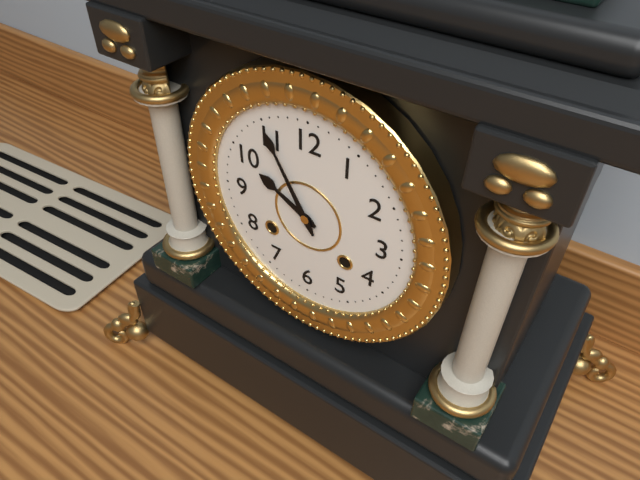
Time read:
9:55
